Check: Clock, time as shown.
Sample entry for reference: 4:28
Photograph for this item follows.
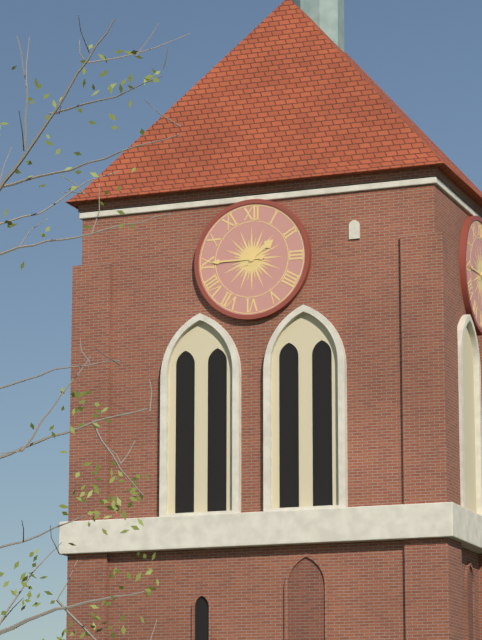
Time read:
1:45
